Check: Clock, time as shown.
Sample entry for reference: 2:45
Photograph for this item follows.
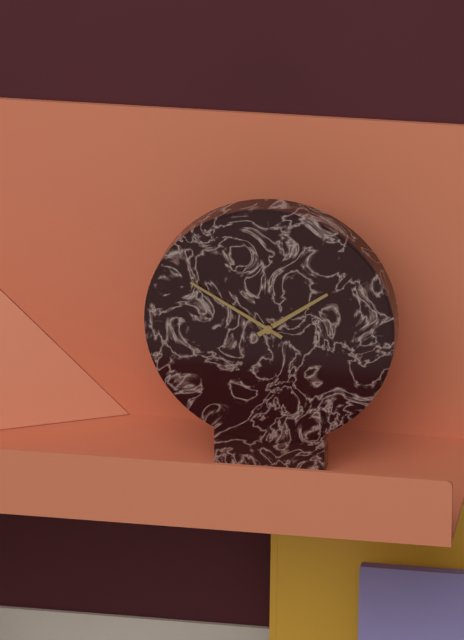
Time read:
1:50
